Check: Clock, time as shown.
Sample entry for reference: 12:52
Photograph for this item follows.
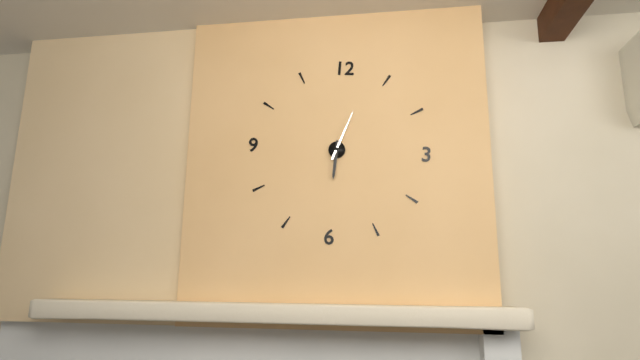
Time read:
6:03
